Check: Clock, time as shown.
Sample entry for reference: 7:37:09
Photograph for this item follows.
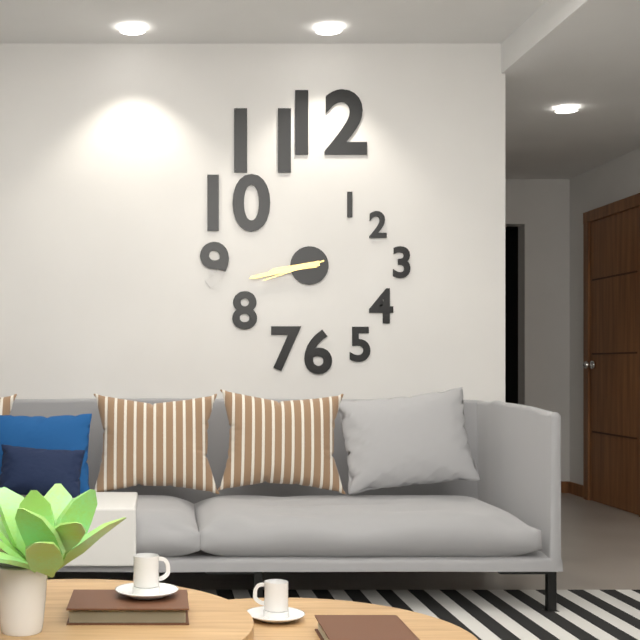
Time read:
8:43:42
